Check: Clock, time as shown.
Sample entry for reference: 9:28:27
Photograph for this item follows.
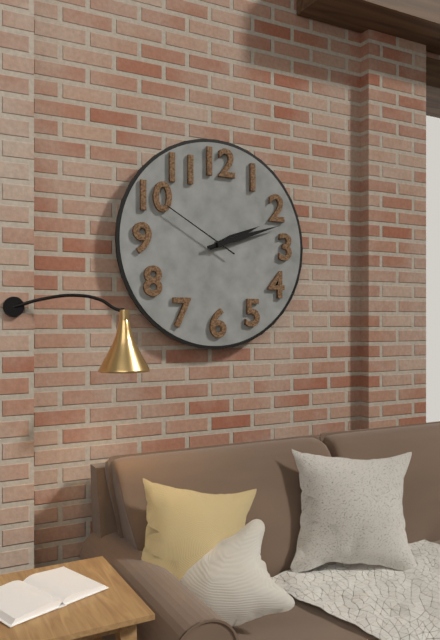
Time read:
2:12:50
